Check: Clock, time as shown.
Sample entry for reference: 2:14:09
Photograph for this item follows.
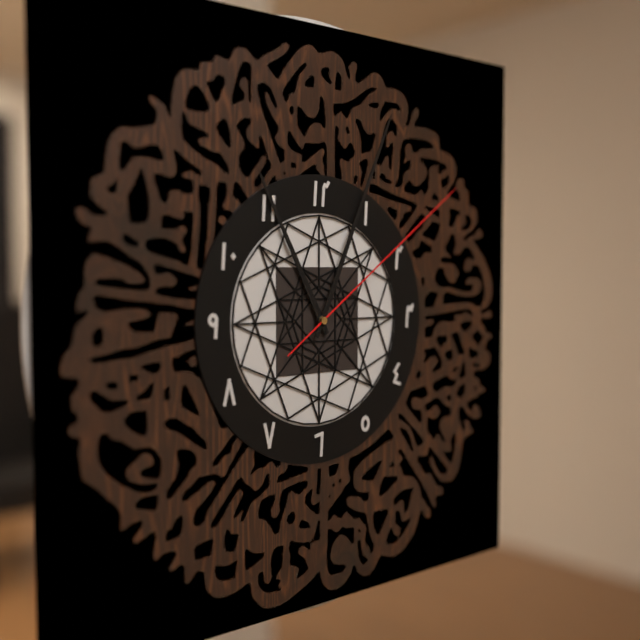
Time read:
11:04:09
